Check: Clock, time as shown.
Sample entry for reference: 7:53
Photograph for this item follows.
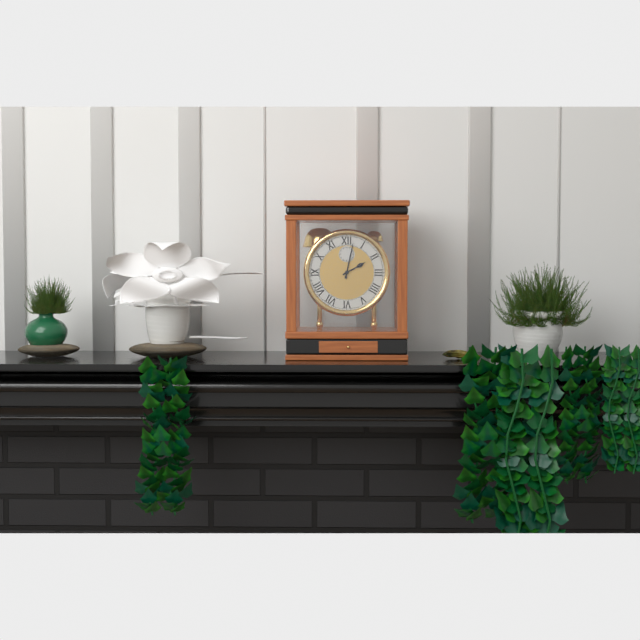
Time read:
2:02
